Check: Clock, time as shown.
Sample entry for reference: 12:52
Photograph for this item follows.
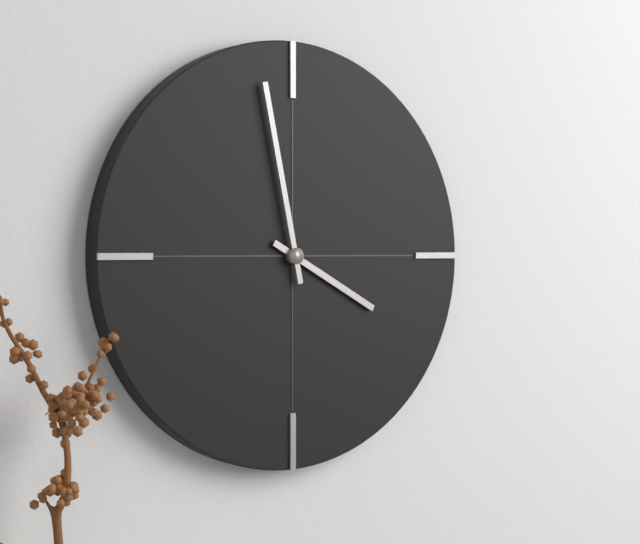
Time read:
3:58
